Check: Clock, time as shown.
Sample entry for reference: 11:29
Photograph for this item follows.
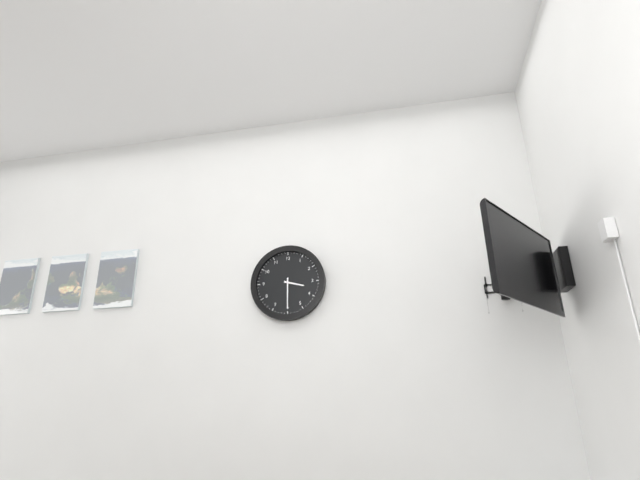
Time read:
3:30
